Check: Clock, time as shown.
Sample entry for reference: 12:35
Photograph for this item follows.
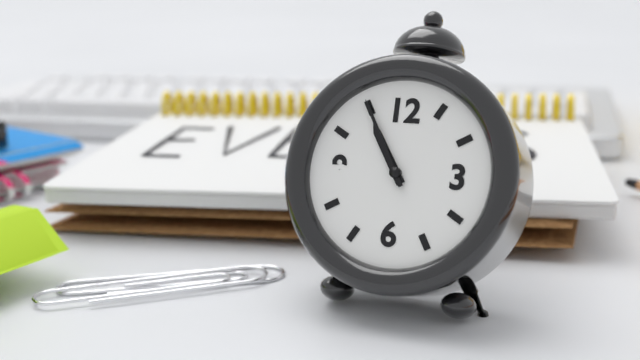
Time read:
10:55
